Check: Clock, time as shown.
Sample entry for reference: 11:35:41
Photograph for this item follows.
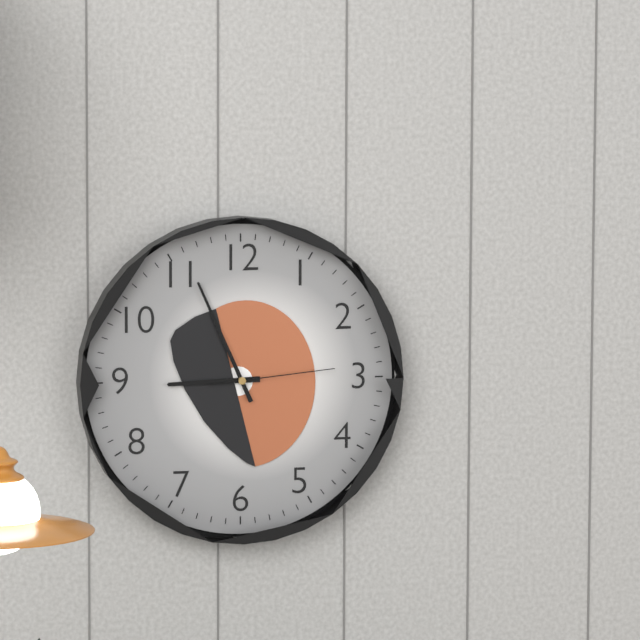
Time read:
8:56:14
